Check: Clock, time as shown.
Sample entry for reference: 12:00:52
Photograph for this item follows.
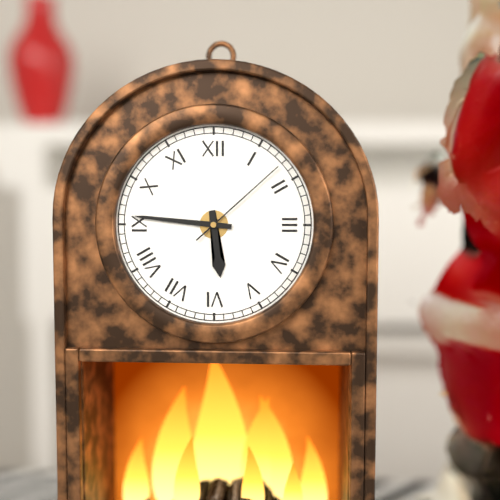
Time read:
5:46:08
